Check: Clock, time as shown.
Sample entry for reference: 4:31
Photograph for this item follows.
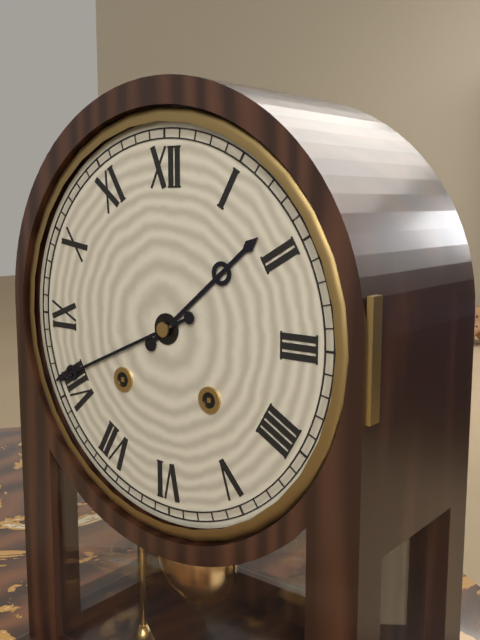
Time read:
1:41
